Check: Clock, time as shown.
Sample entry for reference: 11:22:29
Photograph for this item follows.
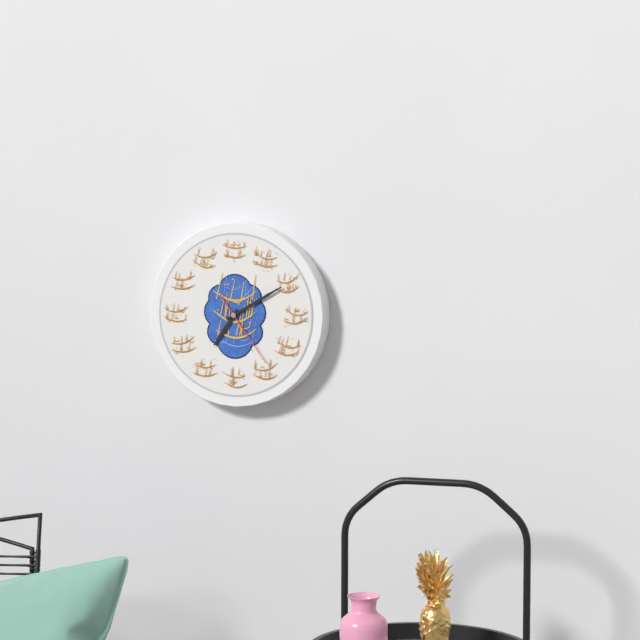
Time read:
7:10:24
